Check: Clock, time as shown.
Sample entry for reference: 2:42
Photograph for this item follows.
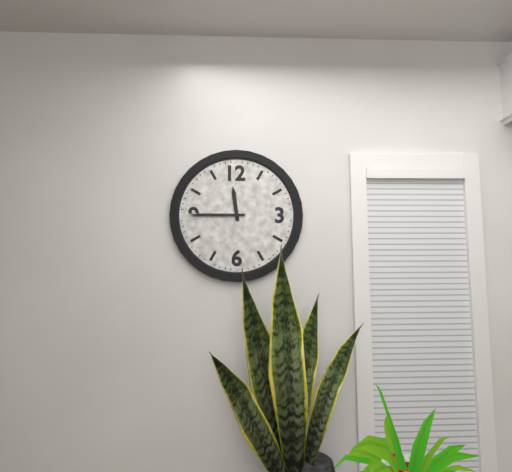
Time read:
11:45
